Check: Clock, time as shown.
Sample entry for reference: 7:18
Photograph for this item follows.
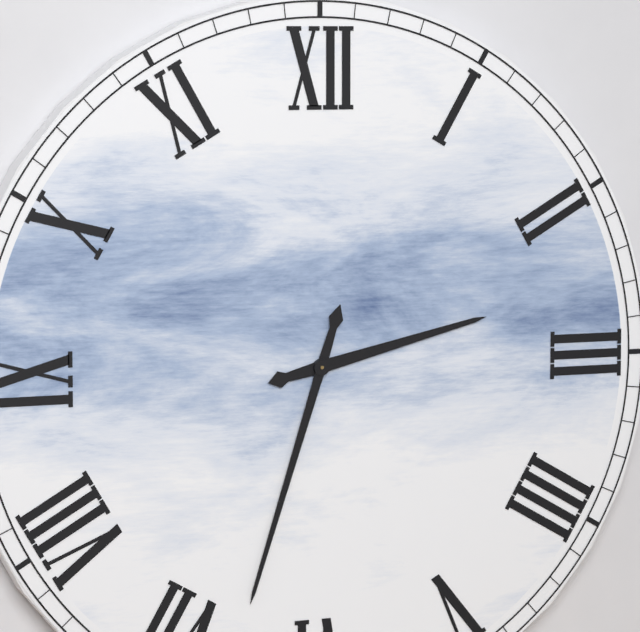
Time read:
2:33
